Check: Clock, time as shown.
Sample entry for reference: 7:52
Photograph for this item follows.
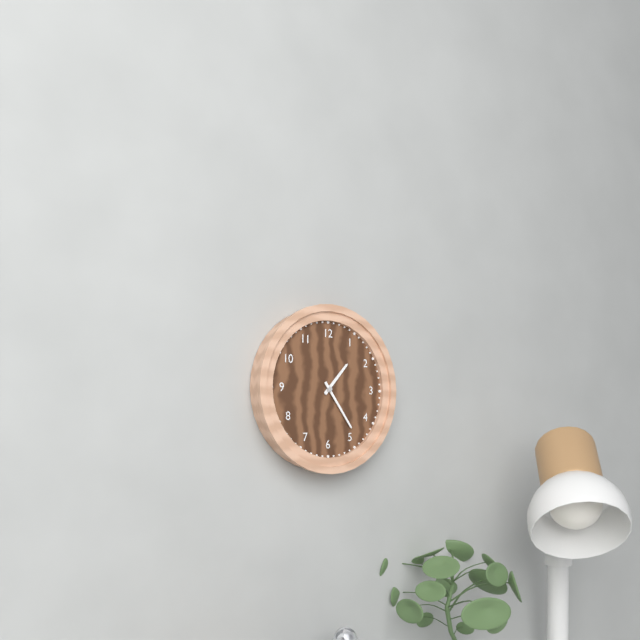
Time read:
1:24
